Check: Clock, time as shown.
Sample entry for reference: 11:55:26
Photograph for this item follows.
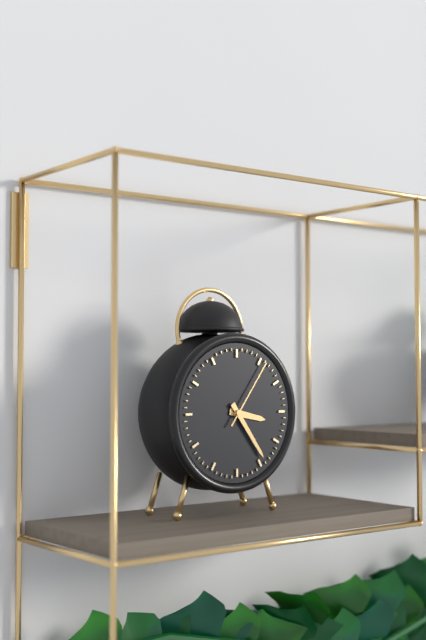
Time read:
3:24:06
